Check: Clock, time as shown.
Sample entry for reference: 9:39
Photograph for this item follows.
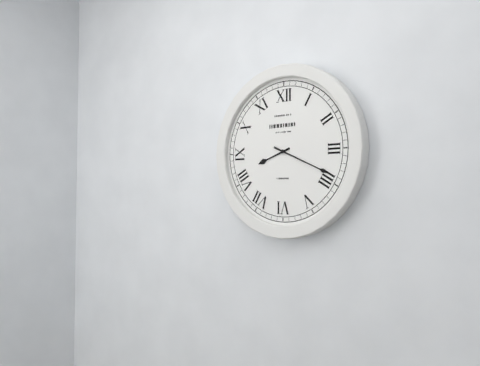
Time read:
8:19
